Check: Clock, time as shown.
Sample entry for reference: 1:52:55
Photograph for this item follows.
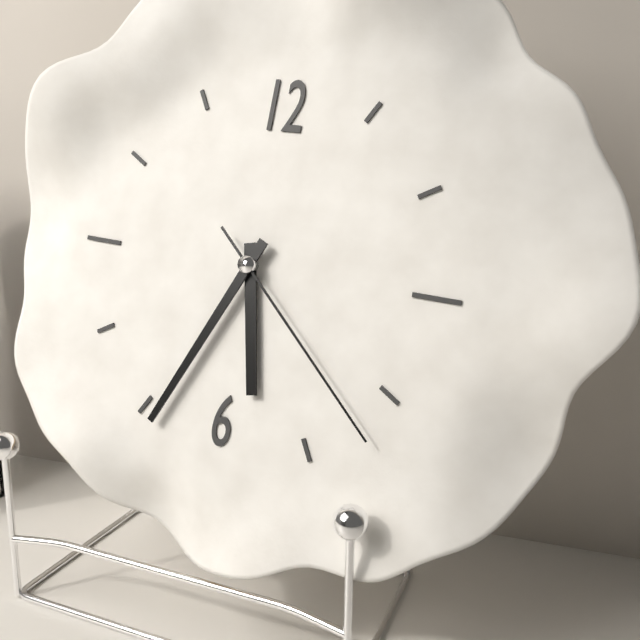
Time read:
5:34:22
